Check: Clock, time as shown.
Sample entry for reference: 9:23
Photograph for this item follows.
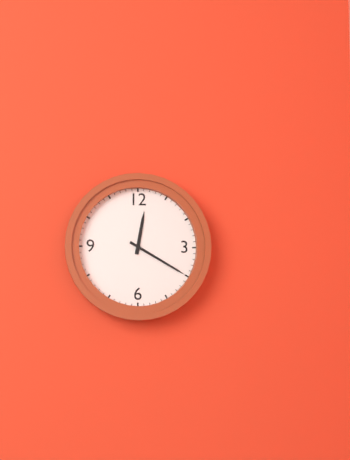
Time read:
12:20
